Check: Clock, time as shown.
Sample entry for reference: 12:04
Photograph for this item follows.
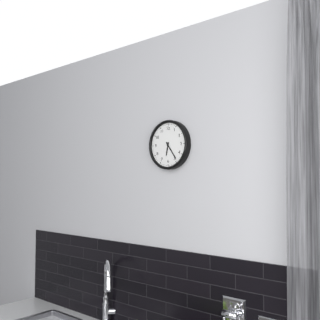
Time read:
6:24
